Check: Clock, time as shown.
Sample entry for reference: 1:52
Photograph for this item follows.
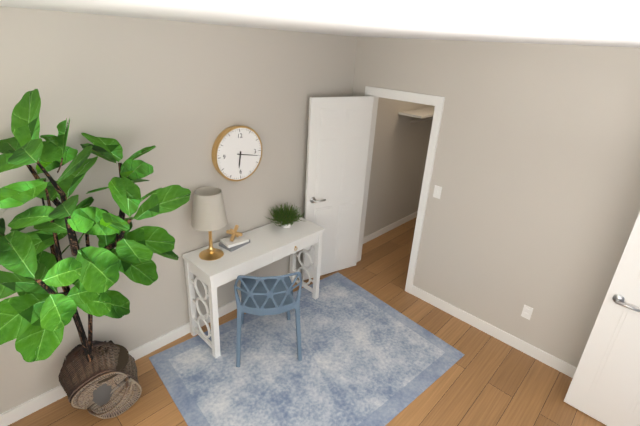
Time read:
6:17
